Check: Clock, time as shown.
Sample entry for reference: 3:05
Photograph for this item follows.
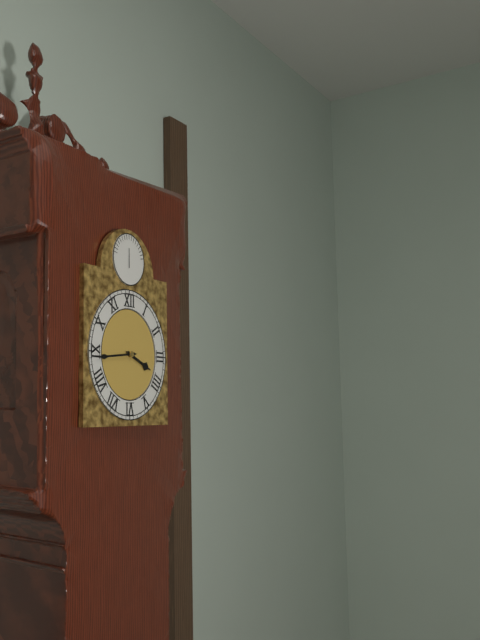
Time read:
3:44
